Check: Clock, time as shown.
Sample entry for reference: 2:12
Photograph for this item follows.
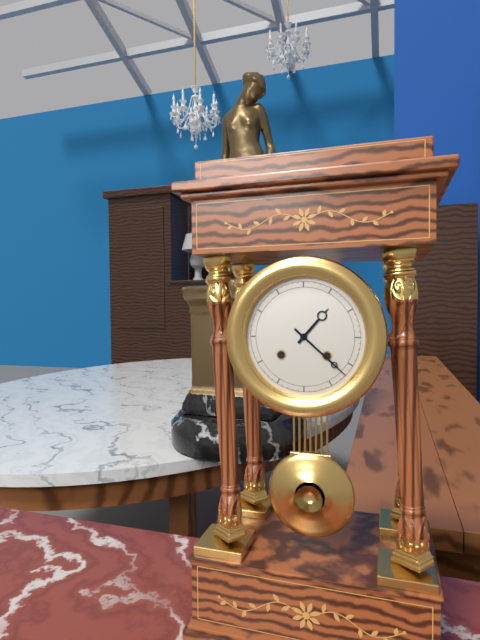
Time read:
1:22
